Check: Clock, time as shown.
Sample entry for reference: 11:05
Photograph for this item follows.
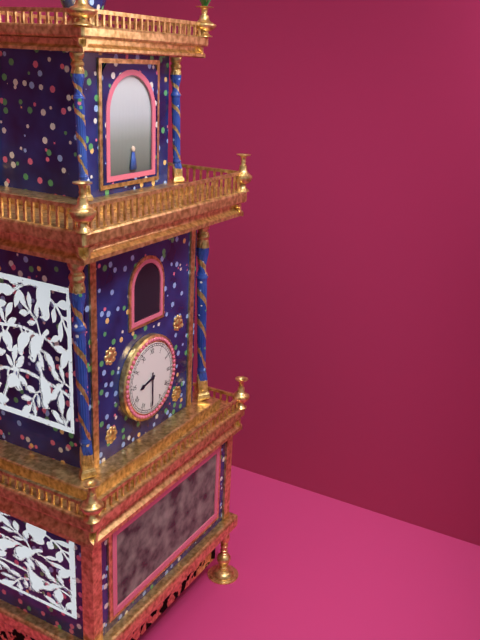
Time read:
8:30
